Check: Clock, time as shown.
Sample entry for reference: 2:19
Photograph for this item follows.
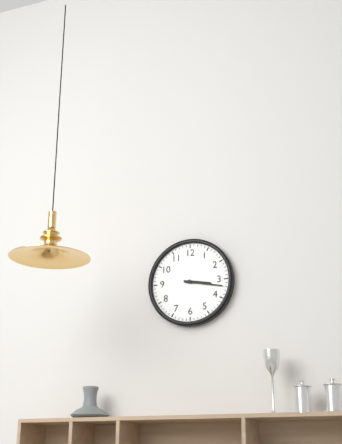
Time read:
3:17
